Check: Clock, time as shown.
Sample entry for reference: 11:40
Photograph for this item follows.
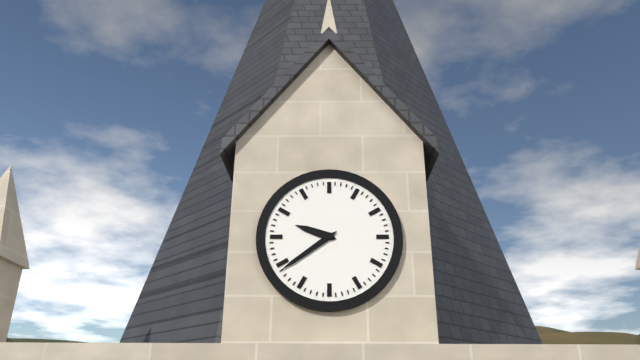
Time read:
9:39
